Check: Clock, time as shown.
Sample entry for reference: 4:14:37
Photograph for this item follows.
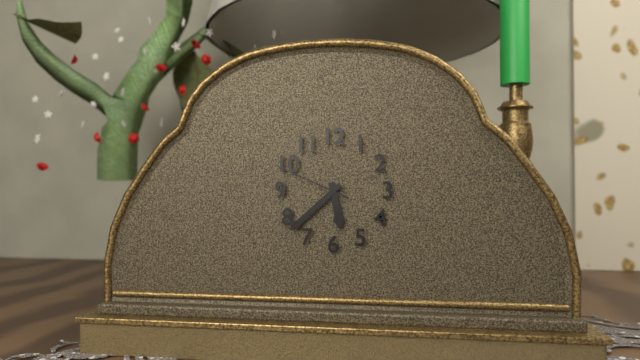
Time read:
5:38:49
